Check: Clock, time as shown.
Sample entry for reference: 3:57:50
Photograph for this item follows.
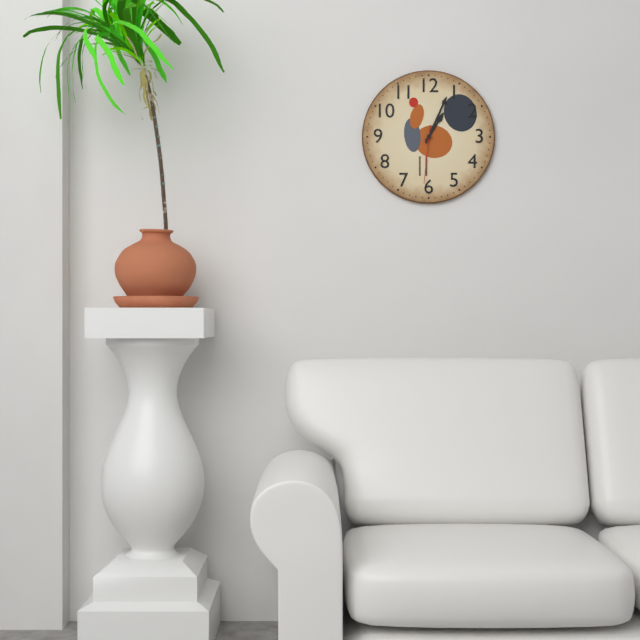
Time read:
1:04:31
